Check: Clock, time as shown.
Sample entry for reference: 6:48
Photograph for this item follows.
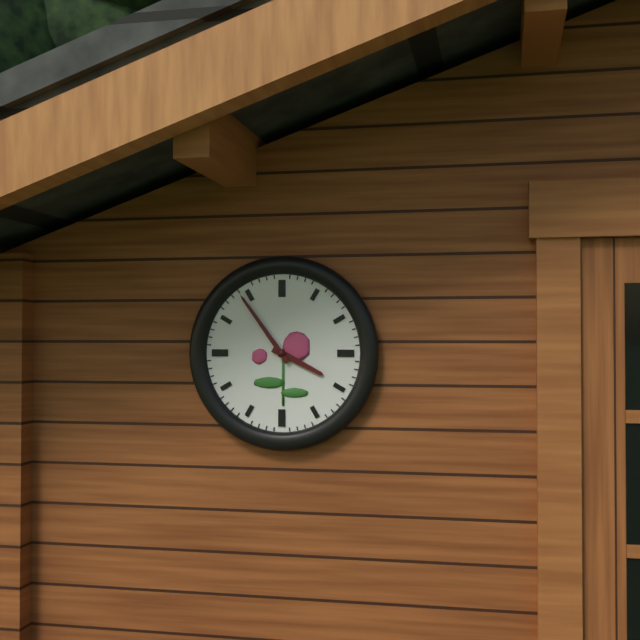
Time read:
3:54
